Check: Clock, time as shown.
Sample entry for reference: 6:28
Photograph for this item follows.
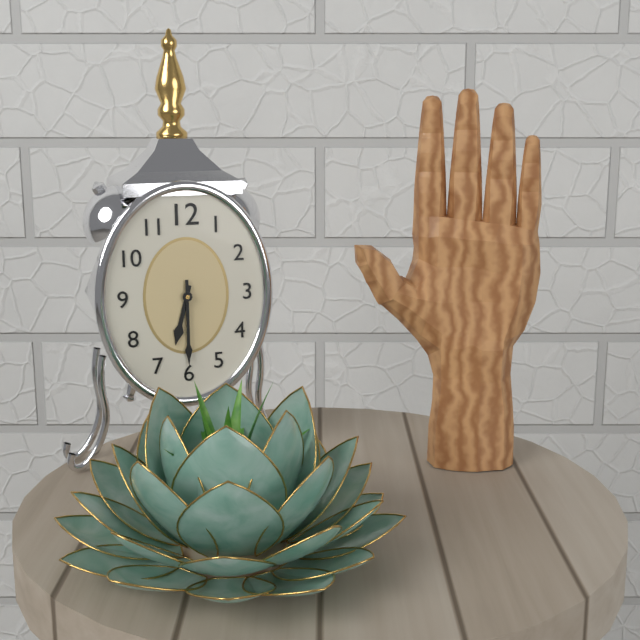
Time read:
6:30
